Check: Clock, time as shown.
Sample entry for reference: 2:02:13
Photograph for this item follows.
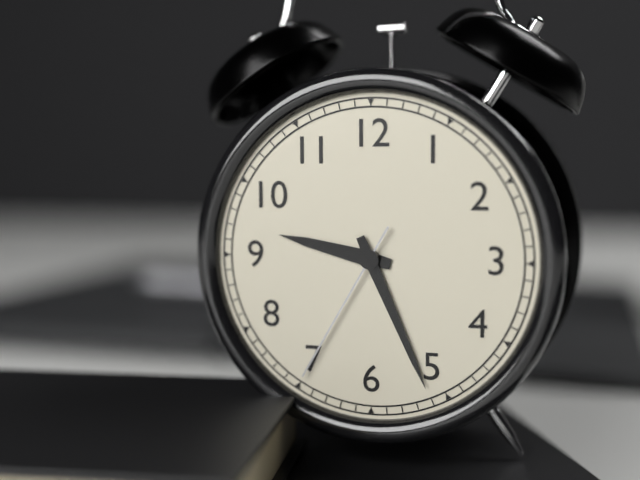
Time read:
9:26:35
